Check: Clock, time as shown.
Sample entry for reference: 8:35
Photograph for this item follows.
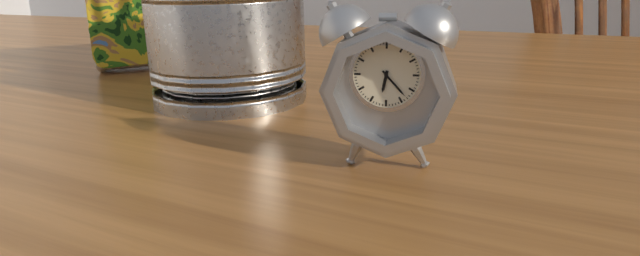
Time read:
6:23
